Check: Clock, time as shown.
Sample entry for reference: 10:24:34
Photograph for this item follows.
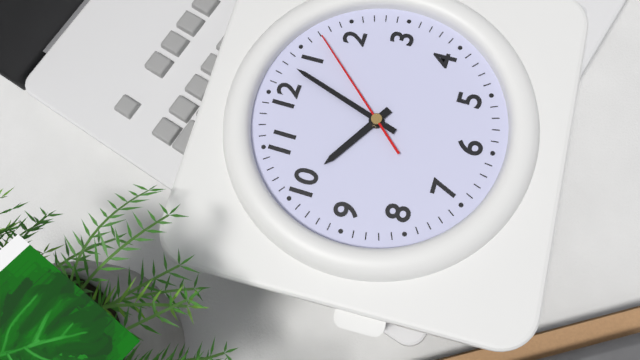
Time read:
10:03:07
